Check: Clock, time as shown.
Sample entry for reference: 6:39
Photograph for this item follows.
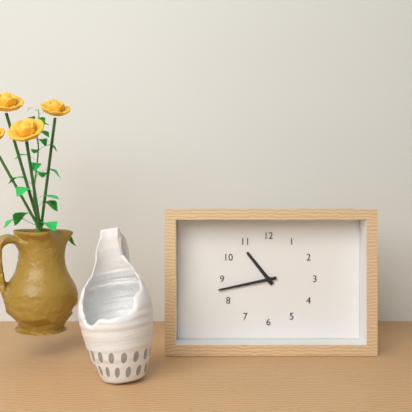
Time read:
10:43
